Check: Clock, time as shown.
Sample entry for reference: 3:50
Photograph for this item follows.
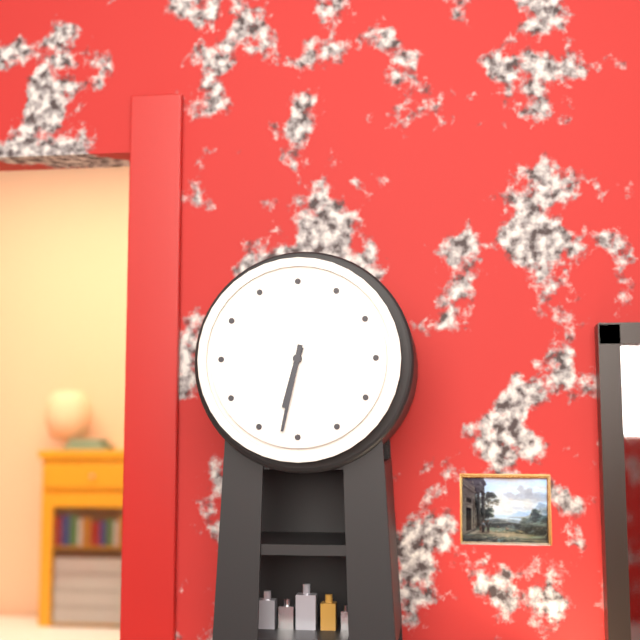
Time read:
6:32
